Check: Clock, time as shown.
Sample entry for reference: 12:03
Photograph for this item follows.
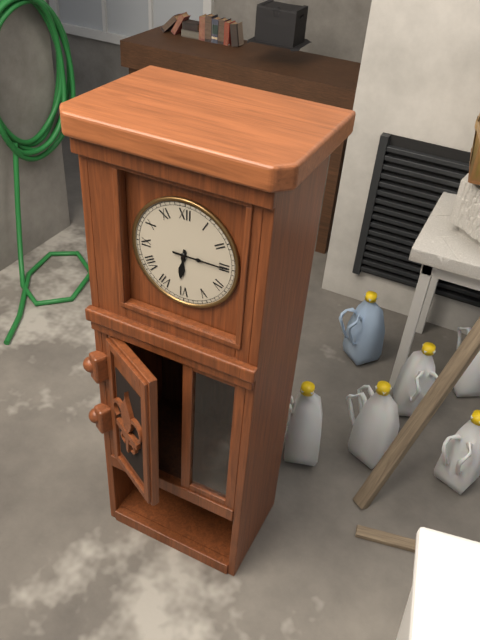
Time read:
6:15
